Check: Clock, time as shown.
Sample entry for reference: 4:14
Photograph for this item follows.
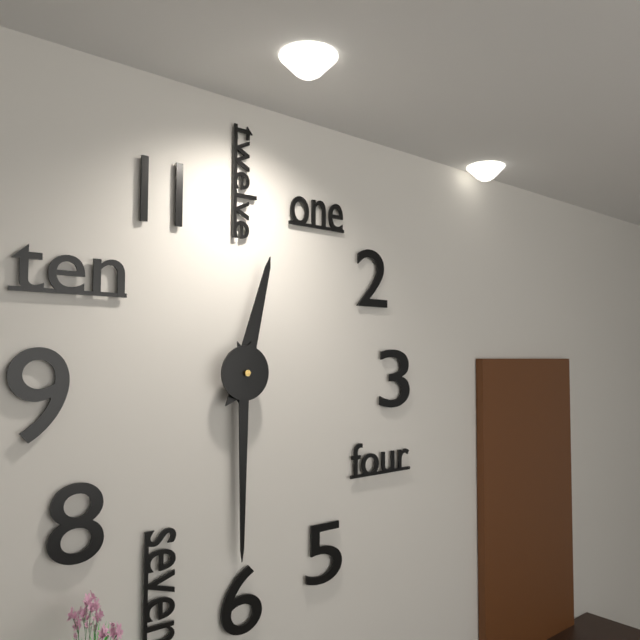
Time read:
12:30
